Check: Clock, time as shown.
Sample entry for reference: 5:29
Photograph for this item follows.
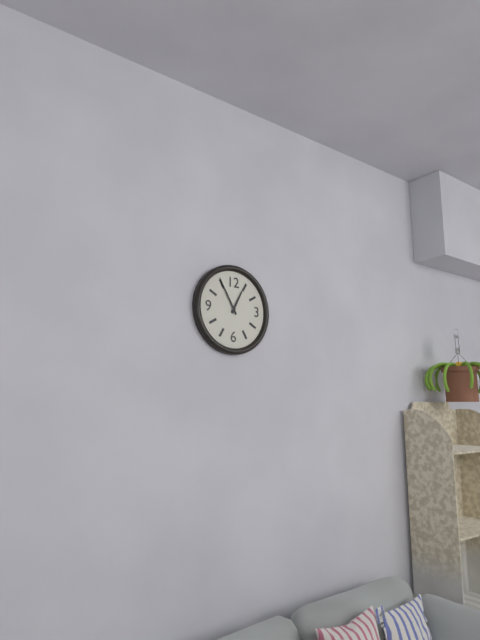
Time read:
12:55
